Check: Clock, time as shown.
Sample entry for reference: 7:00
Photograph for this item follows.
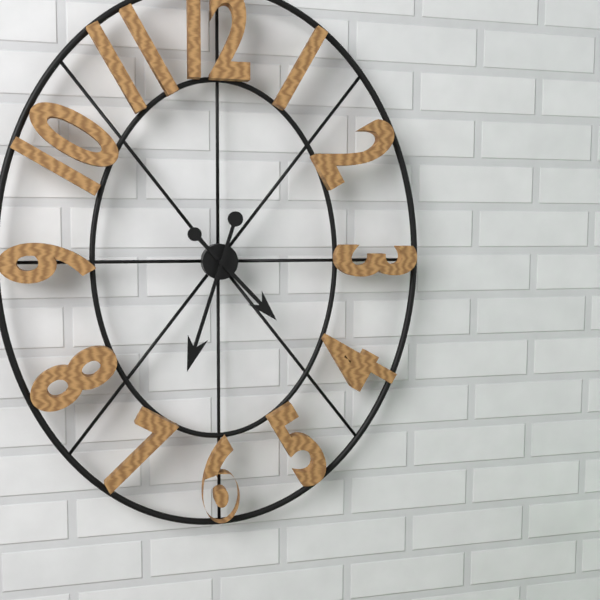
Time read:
4:33
